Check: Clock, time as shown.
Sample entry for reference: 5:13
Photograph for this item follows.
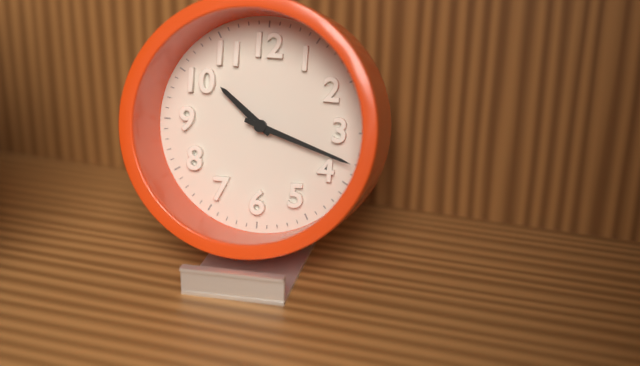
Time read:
10:18
